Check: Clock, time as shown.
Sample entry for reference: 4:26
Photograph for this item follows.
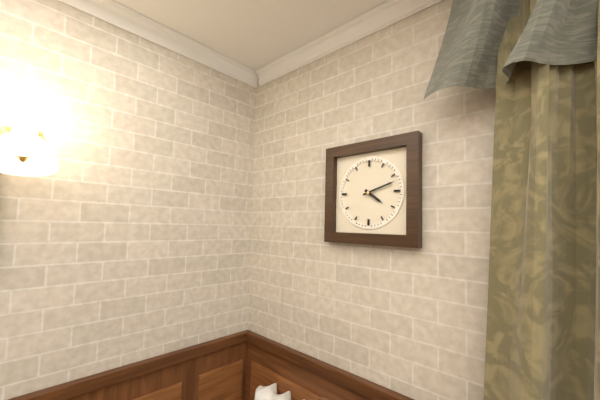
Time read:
4:12
